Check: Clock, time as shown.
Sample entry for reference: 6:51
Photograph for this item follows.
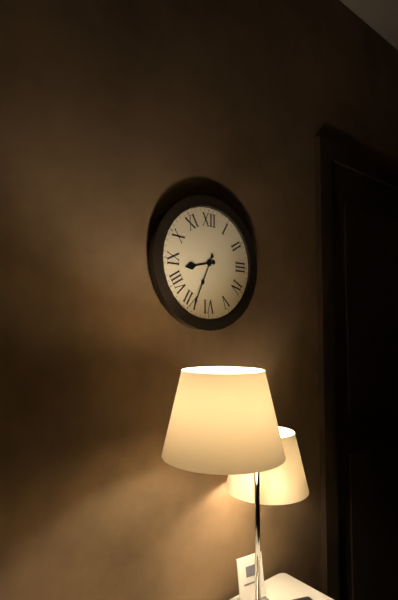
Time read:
8:34
